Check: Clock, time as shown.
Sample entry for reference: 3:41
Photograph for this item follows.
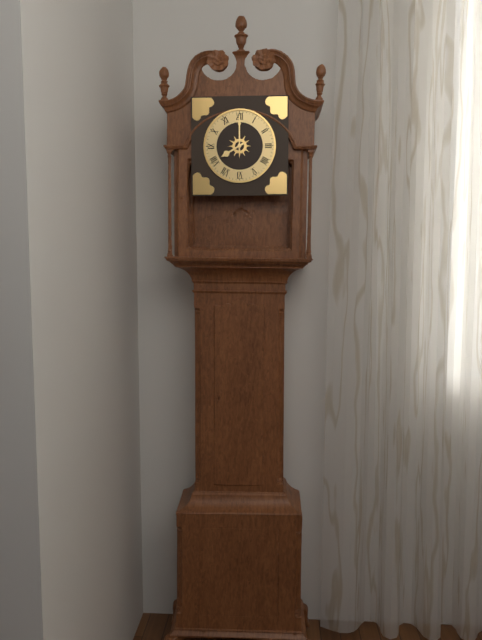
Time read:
8:00
